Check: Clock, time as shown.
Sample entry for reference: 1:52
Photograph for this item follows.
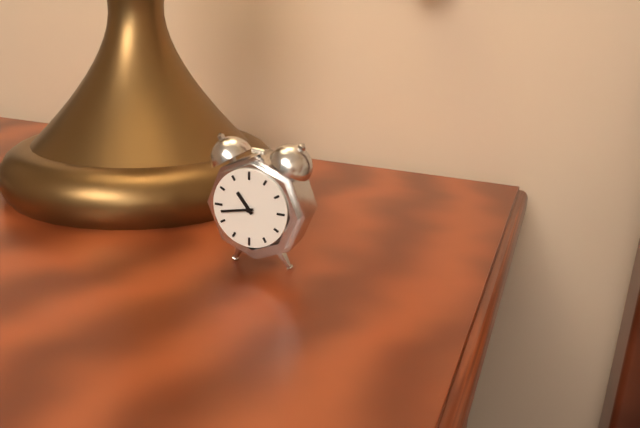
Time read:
10:43
